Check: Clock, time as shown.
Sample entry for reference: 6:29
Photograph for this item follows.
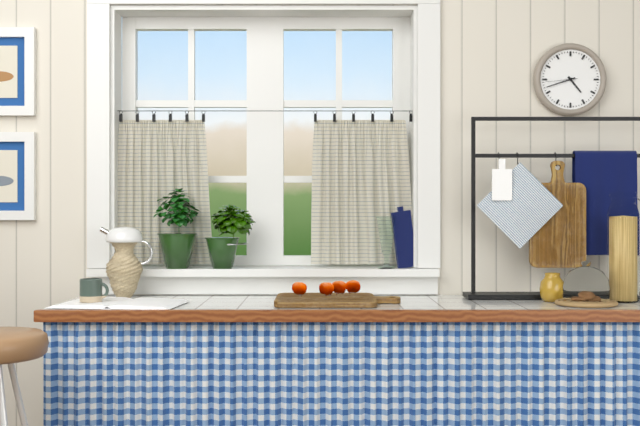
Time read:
4:42
